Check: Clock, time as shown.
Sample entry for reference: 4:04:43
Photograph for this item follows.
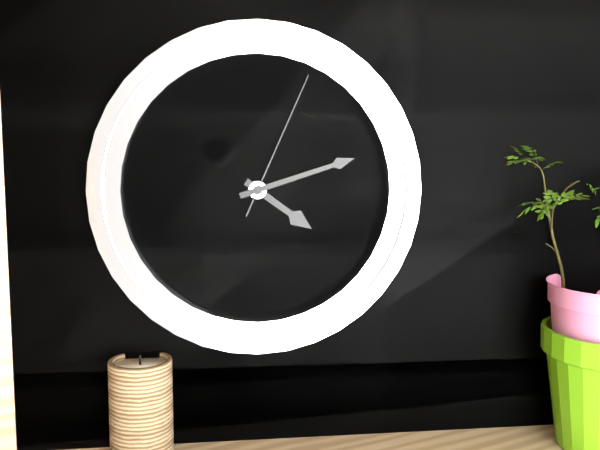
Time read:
4:12:04
